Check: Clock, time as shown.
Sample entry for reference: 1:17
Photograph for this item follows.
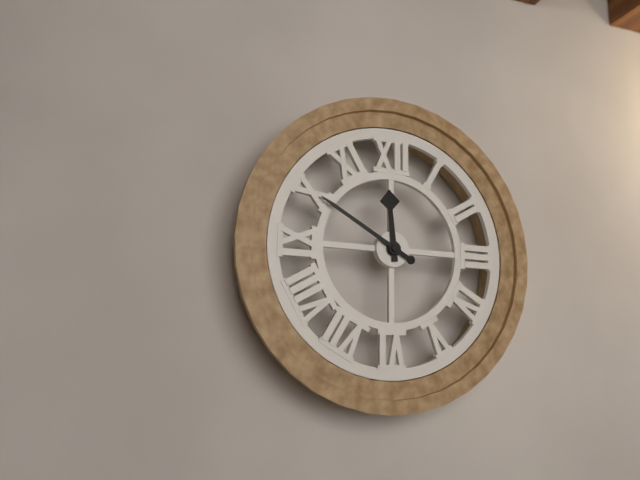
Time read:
11:50
